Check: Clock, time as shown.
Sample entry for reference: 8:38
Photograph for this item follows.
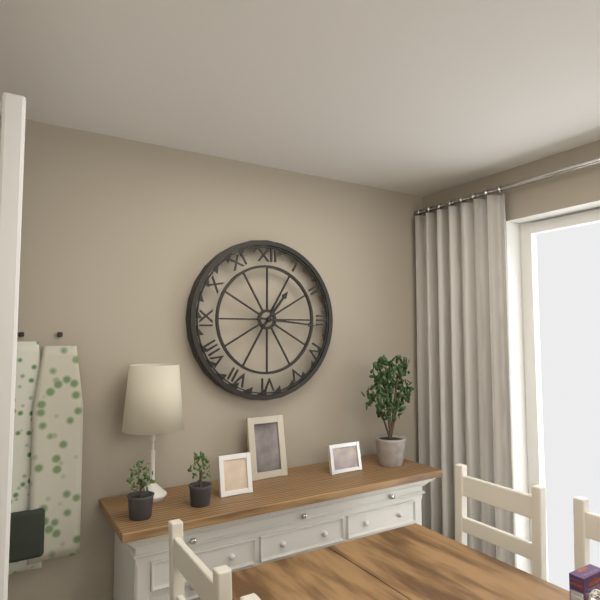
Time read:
1:16
